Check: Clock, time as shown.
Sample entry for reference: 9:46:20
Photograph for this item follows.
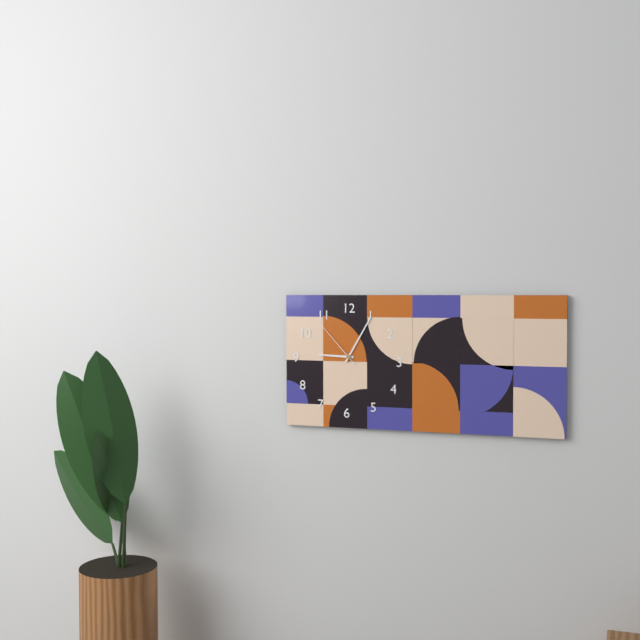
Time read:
9:05:53
